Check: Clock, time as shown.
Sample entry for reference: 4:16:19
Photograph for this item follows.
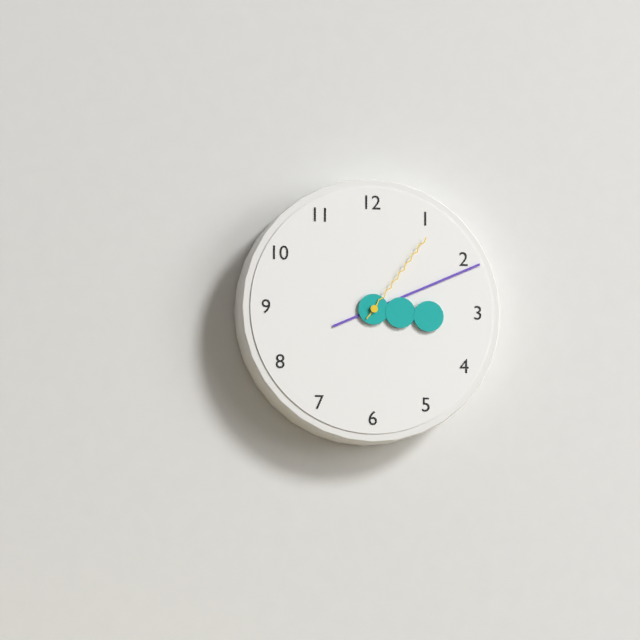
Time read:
3:11:06
